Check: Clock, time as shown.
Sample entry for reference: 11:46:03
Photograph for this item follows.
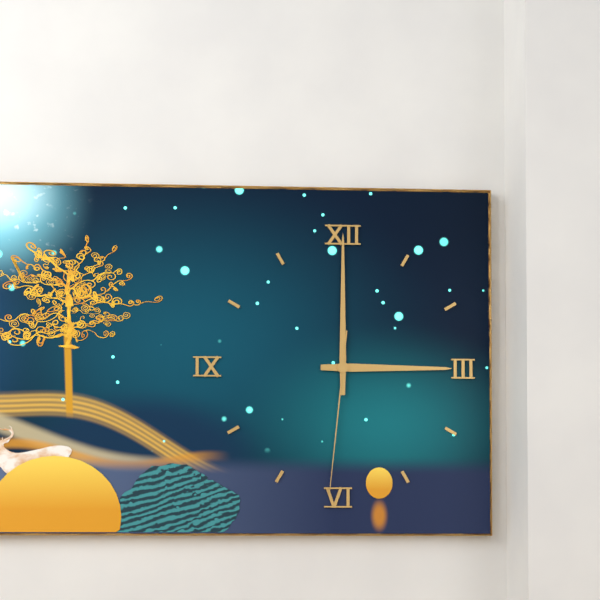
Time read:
3:00:31
